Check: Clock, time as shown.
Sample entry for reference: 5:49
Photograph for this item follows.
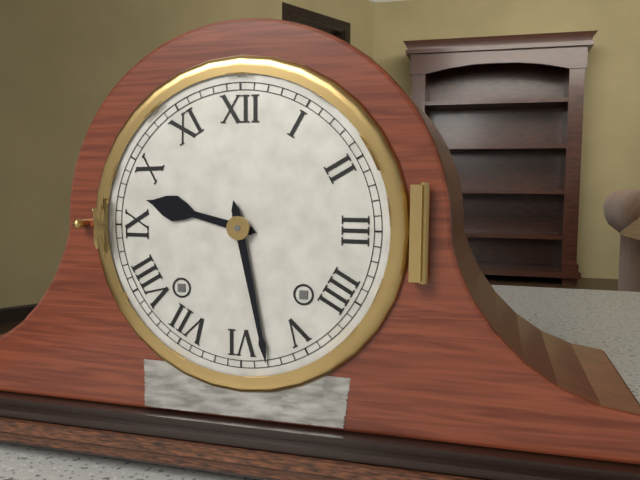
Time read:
9:28
